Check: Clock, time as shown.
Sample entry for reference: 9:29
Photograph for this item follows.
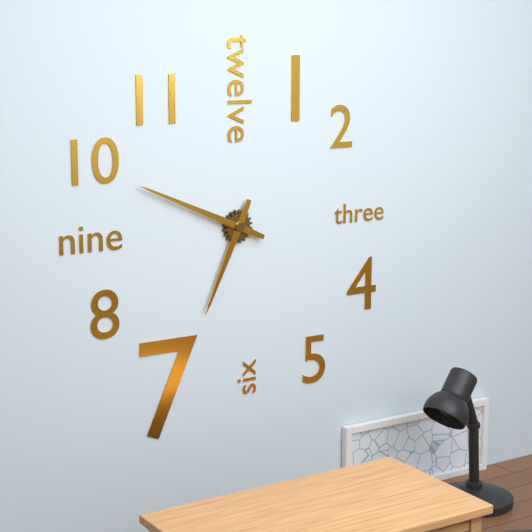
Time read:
6:49
